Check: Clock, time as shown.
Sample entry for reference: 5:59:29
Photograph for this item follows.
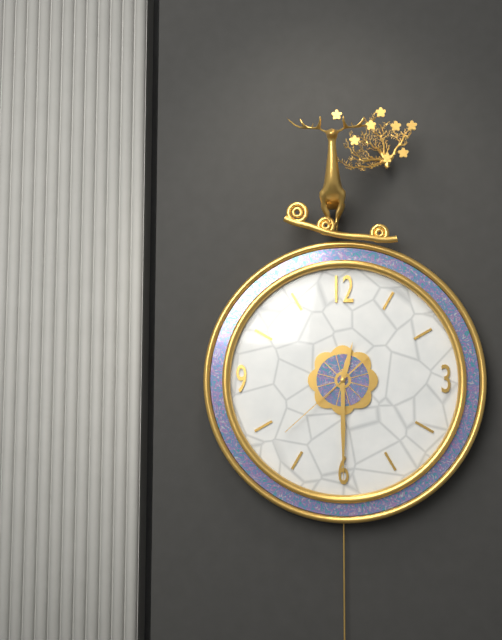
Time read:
12:30:38
